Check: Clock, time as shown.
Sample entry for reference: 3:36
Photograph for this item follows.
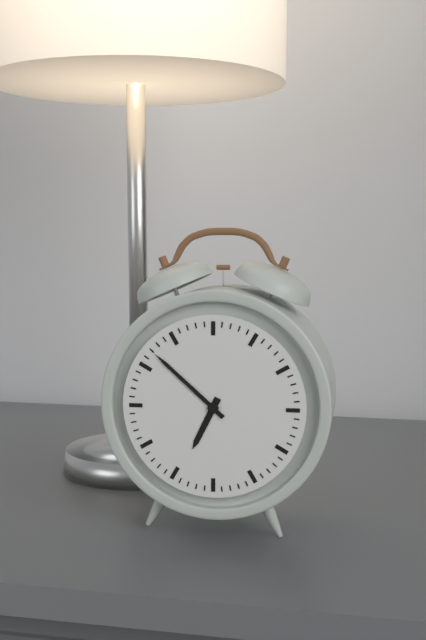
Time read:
6:52
